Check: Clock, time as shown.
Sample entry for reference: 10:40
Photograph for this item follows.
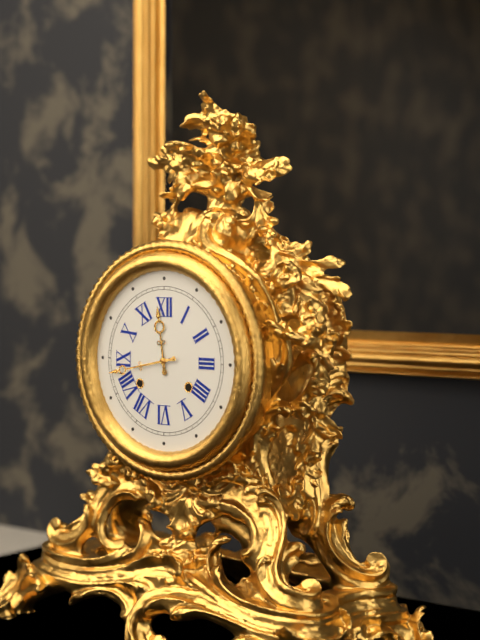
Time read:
11:43
